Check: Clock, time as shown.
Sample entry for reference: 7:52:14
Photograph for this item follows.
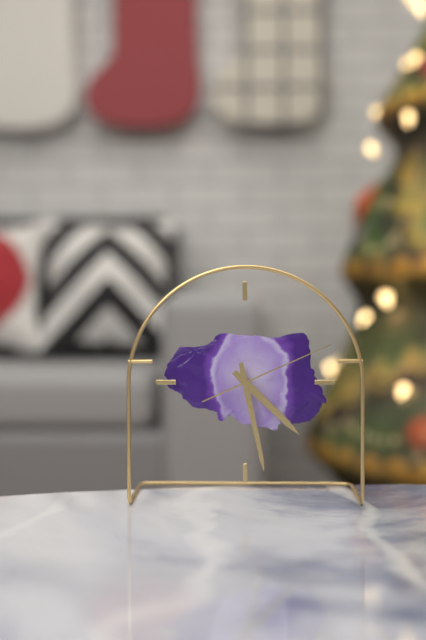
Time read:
4:28:11
